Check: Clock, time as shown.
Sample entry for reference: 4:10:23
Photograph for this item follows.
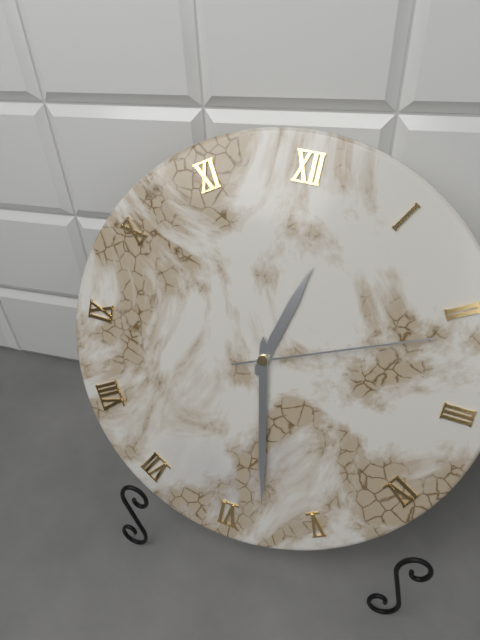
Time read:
12:28:11
